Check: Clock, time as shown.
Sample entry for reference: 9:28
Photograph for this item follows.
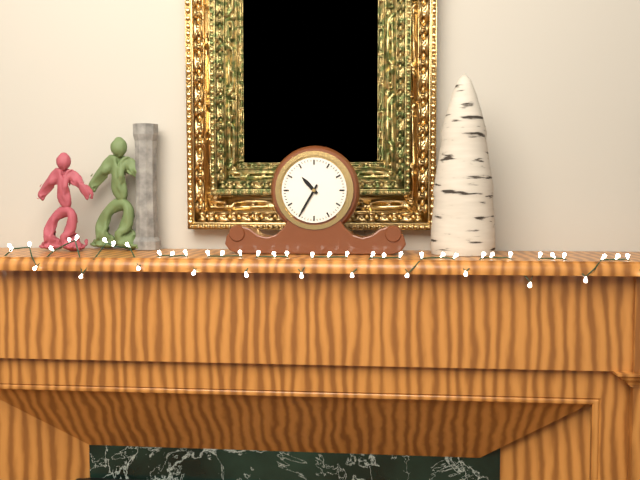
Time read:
10:35
